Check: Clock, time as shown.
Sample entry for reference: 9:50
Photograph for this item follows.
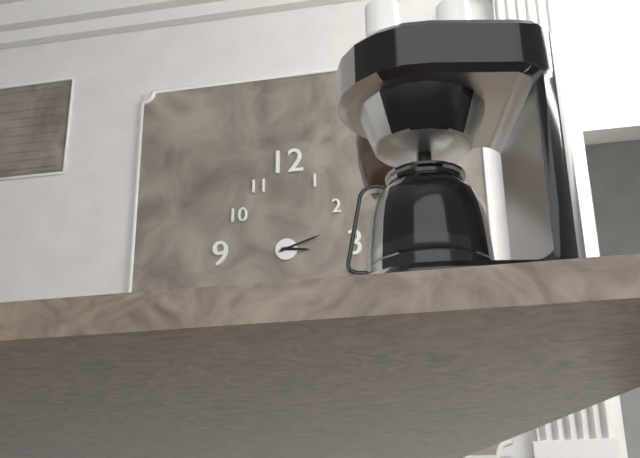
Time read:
3:12
